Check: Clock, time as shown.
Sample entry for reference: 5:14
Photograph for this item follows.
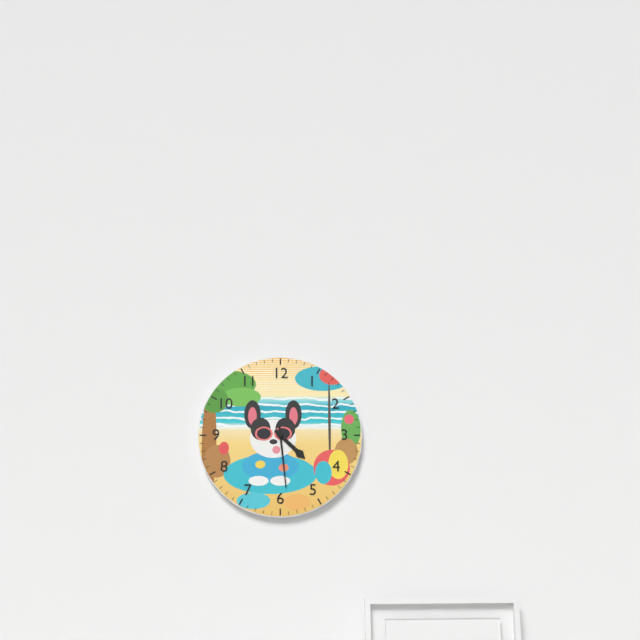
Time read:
4:29
